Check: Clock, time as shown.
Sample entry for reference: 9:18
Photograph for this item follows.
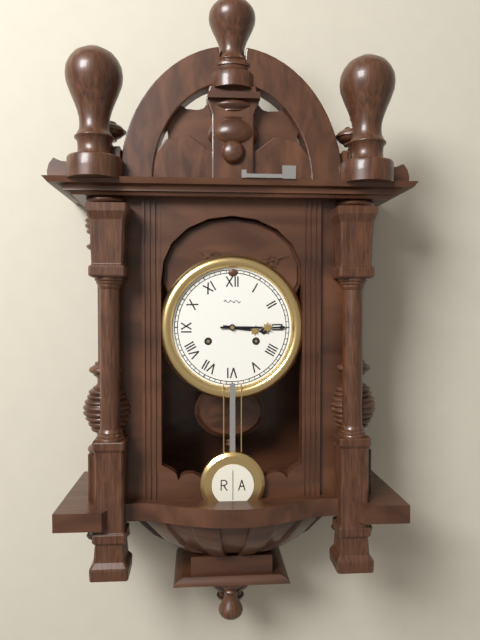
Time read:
3:15
